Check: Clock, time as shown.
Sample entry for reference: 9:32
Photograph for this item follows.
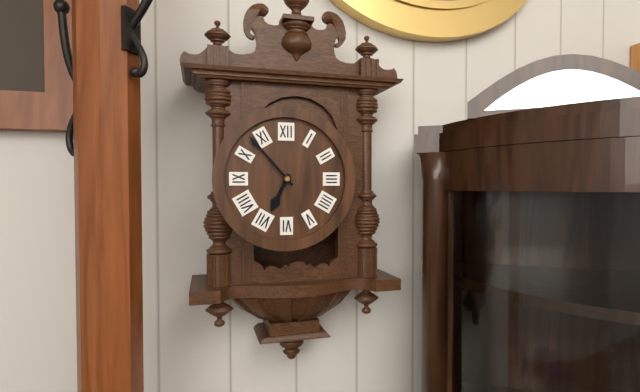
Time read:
6:53
